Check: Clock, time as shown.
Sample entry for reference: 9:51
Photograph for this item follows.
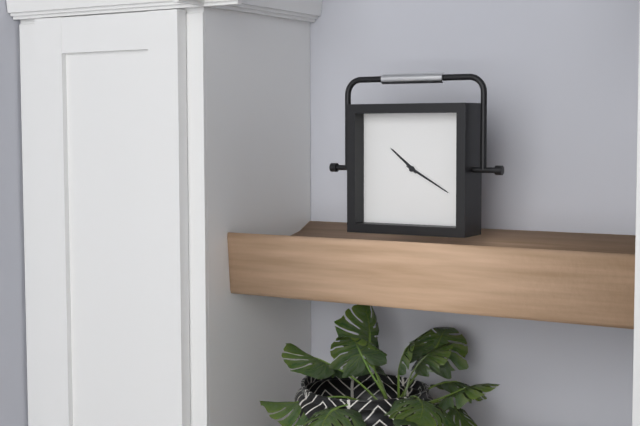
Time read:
10:20
